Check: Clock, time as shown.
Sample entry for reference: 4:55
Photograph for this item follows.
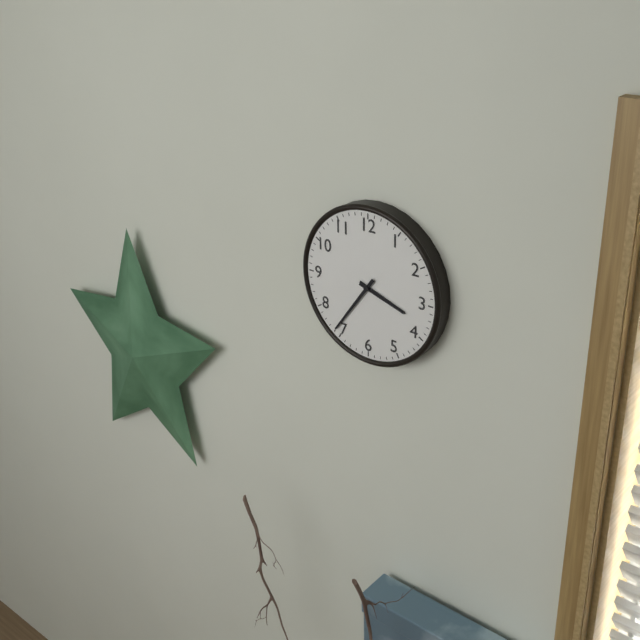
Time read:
3:36
